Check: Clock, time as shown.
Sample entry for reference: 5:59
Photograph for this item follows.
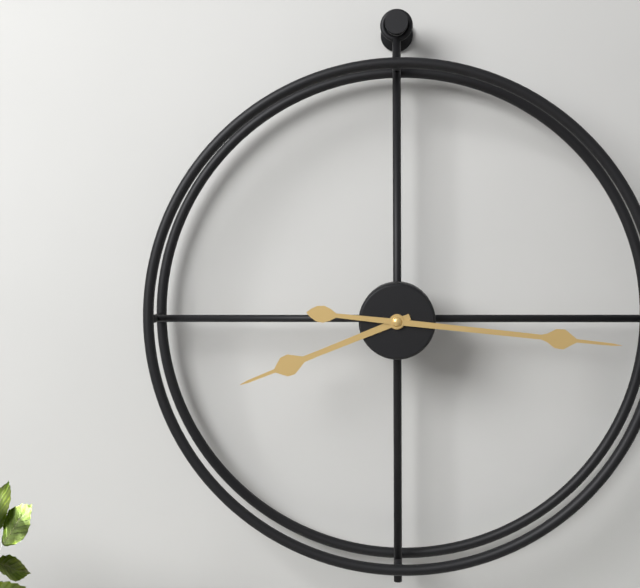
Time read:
8:16
